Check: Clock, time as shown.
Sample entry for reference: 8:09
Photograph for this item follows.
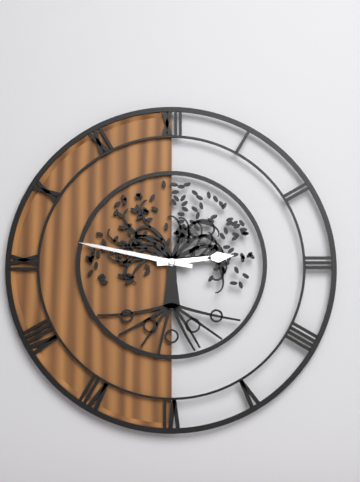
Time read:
2:47
